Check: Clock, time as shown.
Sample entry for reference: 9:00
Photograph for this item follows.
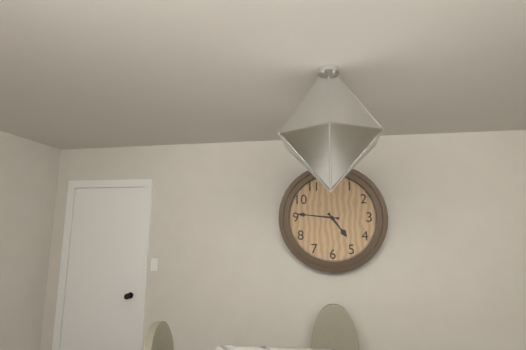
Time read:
4:46
